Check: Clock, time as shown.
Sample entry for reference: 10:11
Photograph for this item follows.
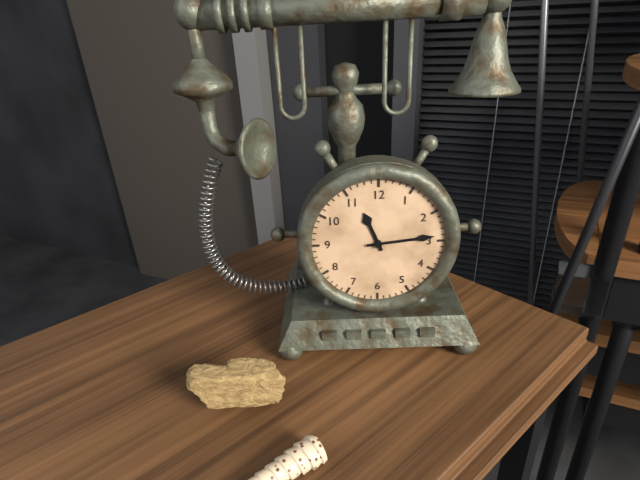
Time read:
11:14
